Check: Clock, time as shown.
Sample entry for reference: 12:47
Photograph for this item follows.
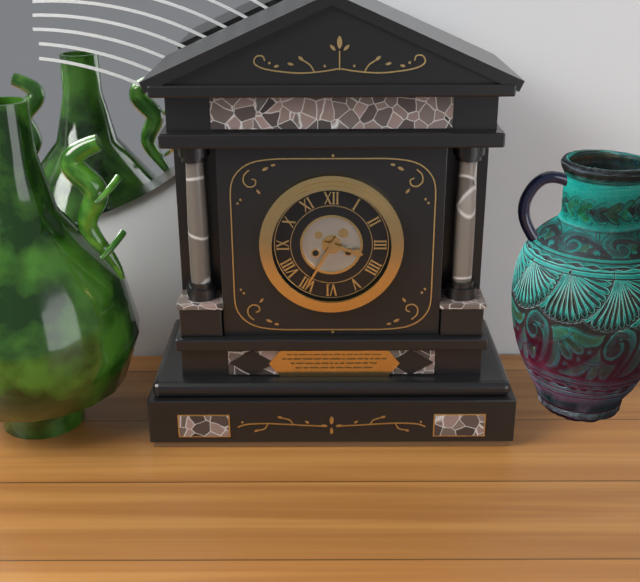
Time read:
3:35
